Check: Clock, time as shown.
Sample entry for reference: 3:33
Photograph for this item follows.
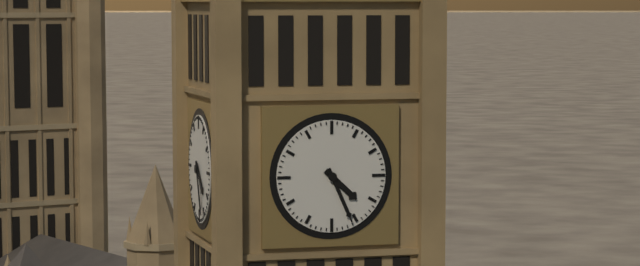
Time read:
4:26
